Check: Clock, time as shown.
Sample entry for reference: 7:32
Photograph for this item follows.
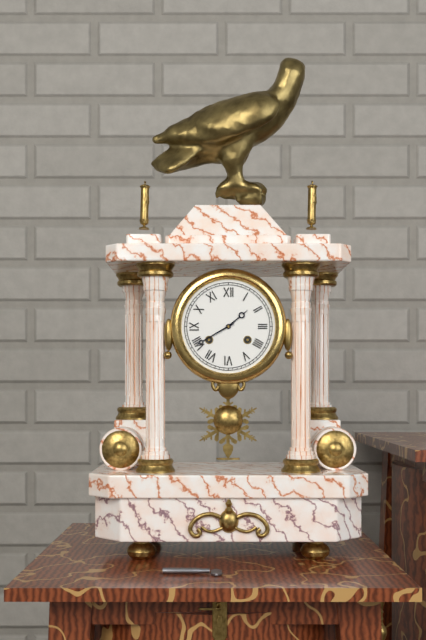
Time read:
1:40
